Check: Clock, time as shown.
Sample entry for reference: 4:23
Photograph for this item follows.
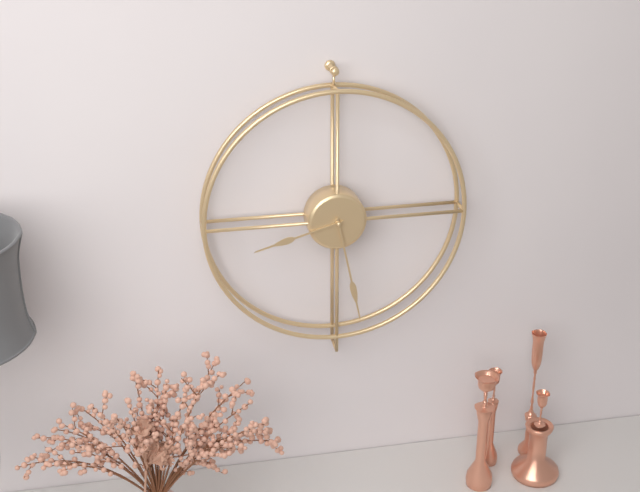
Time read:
8:28
